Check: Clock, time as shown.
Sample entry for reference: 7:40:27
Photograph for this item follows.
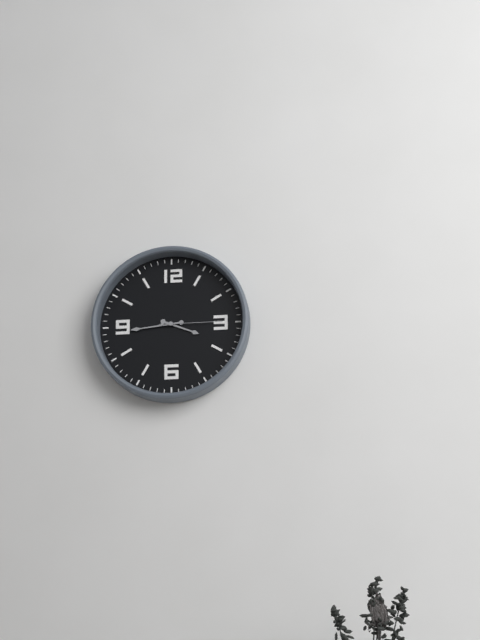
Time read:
3:44:15
